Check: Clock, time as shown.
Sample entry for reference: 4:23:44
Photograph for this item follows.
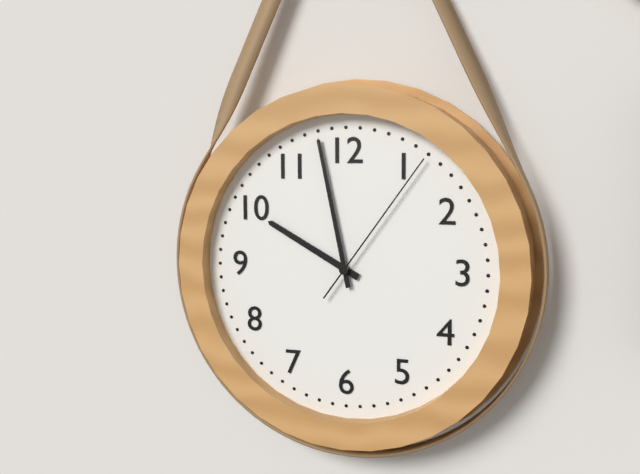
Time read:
9:58:06
